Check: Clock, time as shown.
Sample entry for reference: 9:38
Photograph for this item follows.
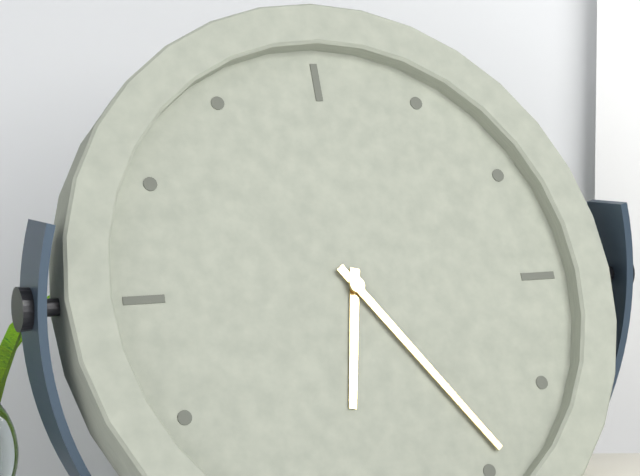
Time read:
6:24
